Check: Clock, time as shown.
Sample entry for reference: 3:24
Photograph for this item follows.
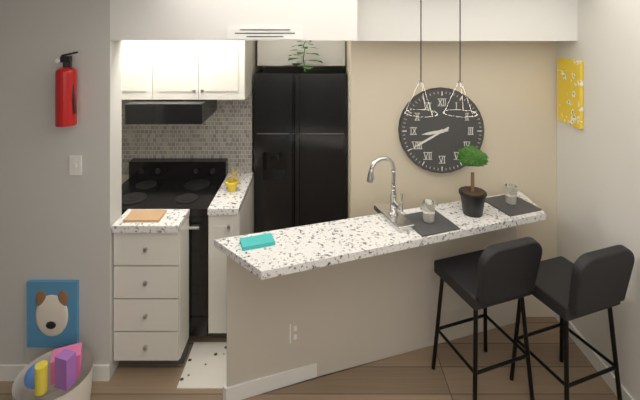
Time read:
8:40
